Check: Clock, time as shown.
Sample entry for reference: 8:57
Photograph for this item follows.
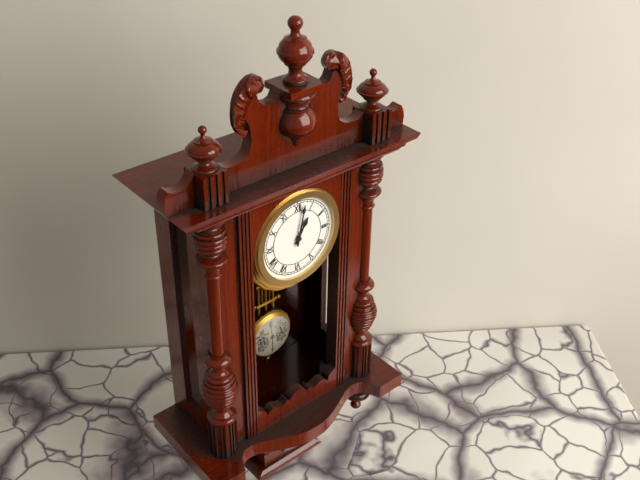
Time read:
1:02
